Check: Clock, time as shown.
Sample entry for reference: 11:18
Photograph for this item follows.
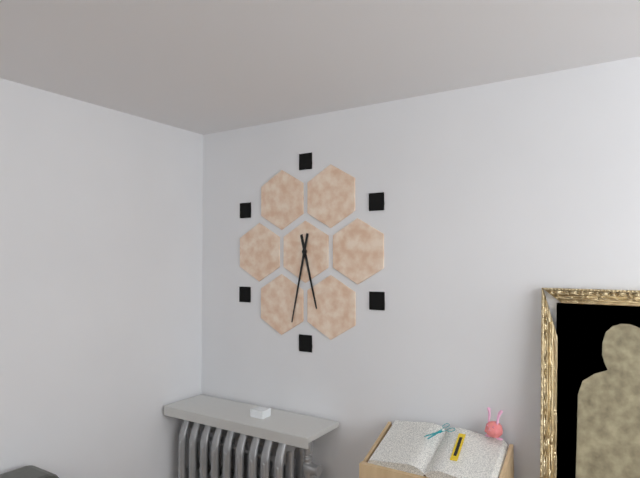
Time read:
5:32
